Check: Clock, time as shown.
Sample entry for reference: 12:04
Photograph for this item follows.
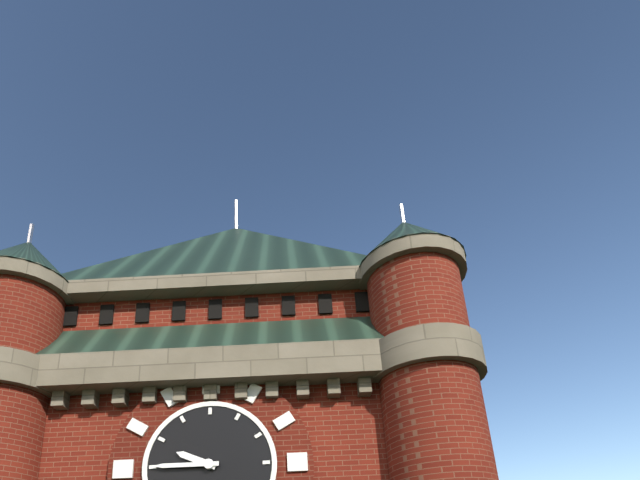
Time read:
9:45
